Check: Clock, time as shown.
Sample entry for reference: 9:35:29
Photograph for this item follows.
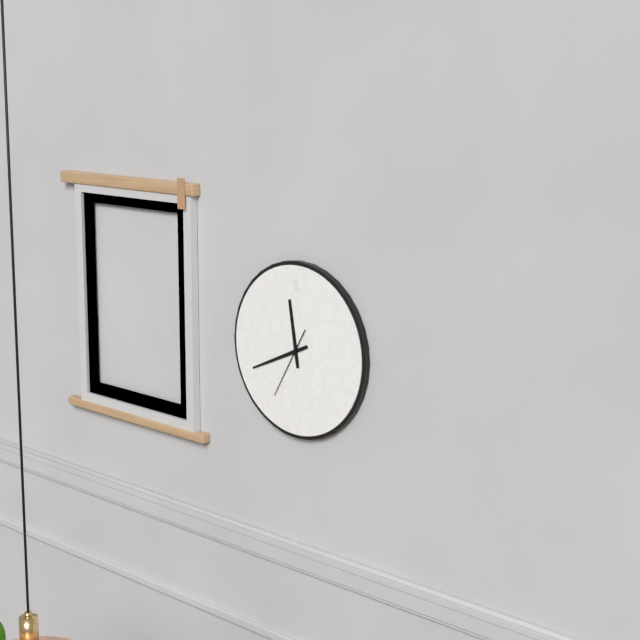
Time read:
11:41:35
